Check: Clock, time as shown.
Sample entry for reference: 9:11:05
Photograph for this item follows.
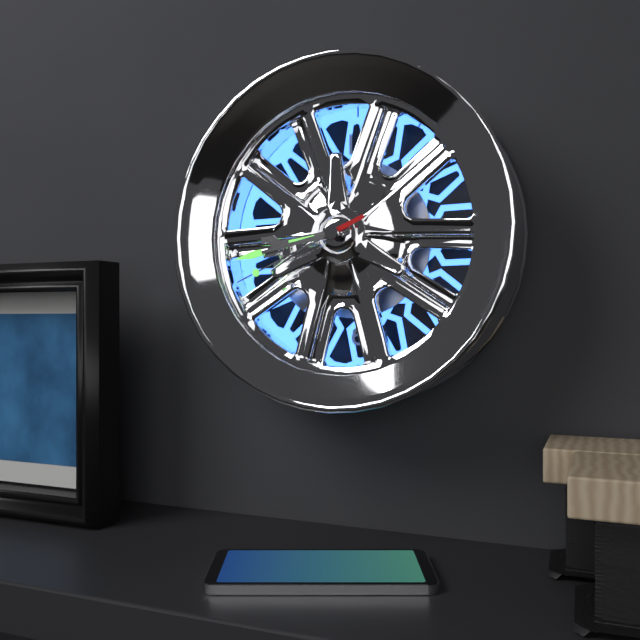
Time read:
8:43:41
